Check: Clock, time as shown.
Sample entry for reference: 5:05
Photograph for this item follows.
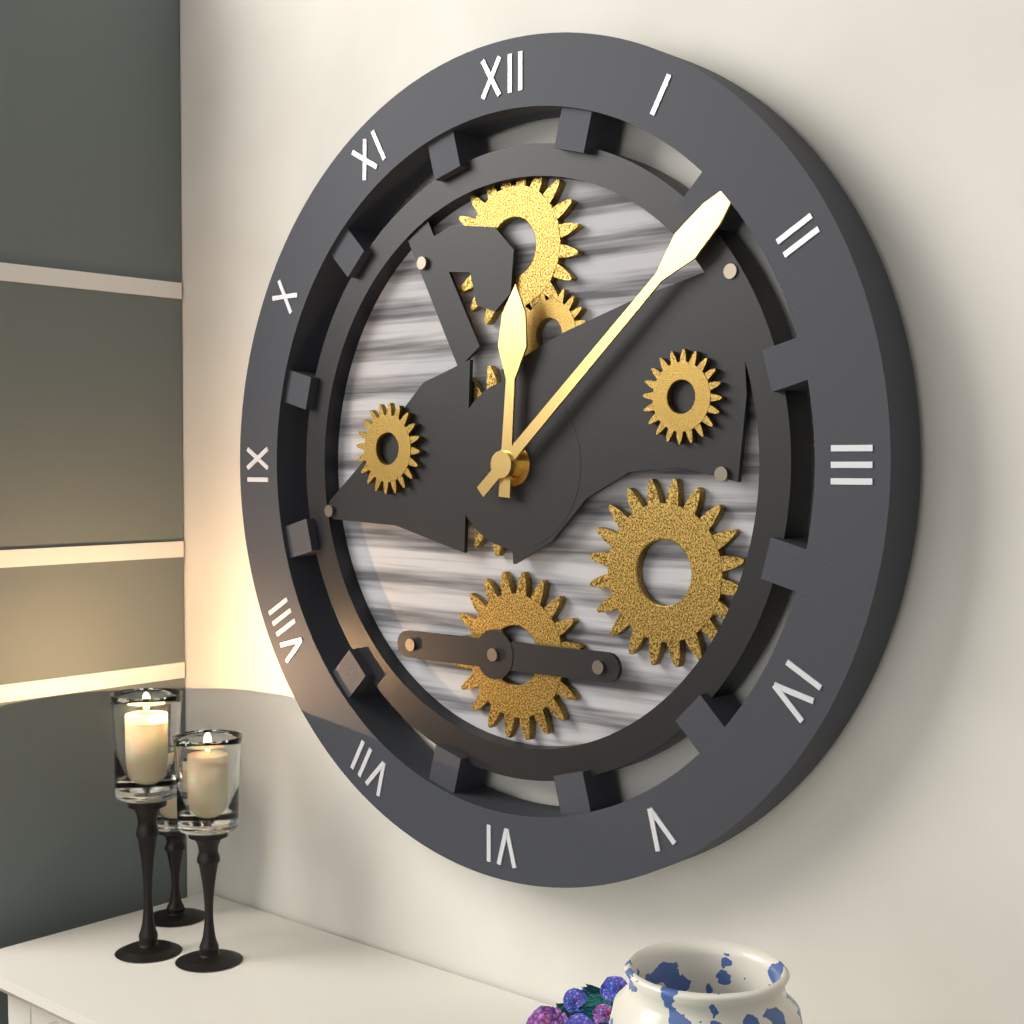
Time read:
12:08
